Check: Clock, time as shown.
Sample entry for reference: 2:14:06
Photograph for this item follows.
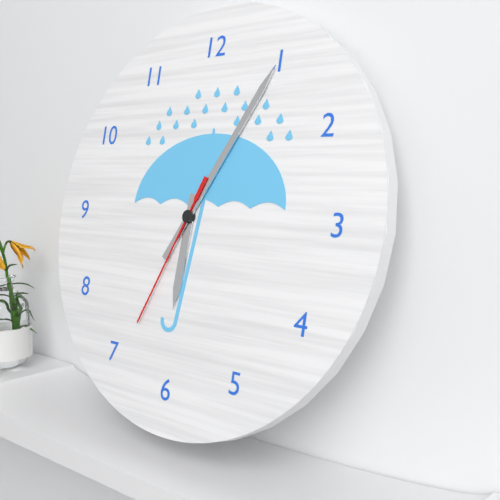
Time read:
6:05:34
